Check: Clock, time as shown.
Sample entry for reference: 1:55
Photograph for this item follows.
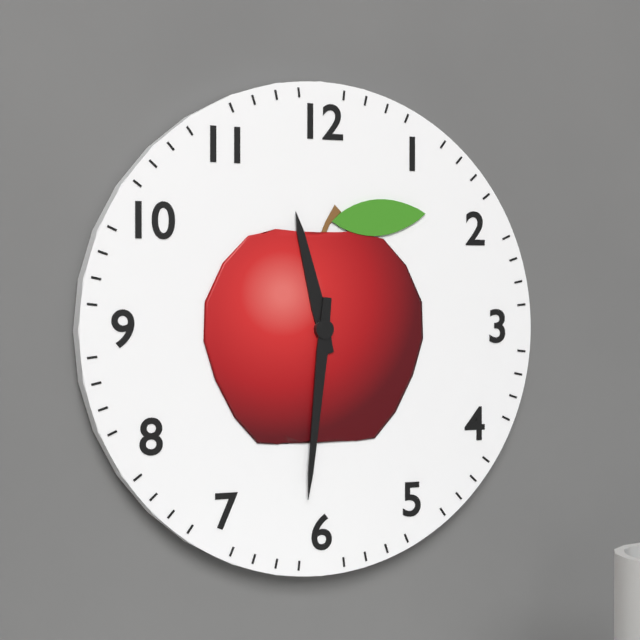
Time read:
11:31
